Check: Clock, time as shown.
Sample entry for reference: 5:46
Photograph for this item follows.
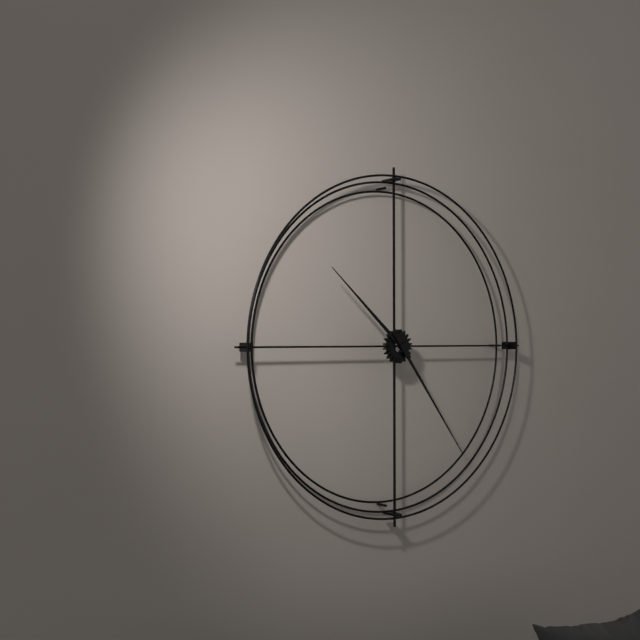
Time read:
10:24
